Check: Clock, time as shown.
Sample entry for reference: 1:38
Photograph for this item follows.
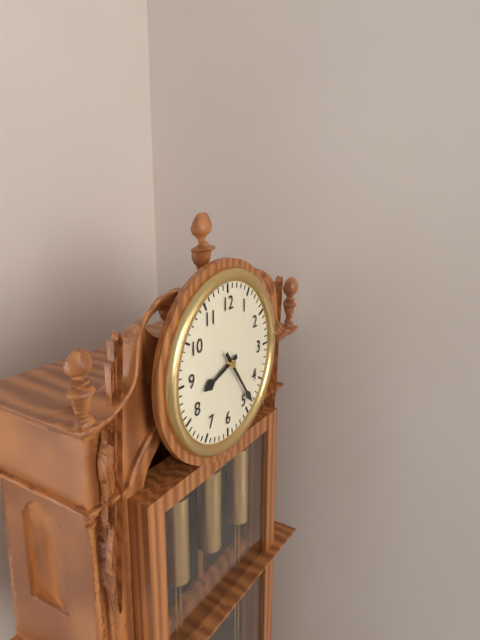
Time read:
8:24
